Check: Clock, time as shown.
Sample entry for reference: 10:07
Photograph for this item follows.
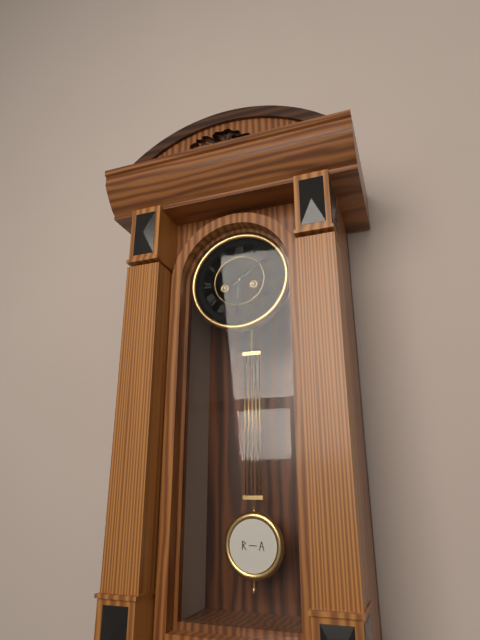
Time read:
6:09
